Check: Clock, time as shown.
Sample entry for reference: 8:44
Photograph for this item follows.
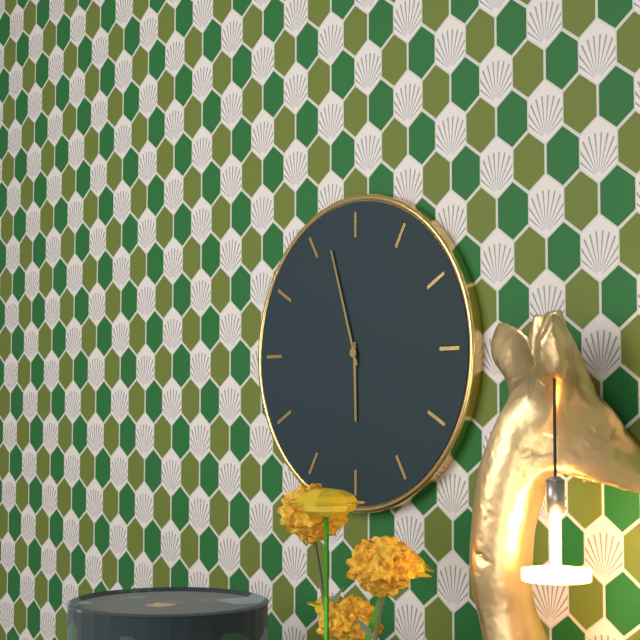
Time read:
5:57
